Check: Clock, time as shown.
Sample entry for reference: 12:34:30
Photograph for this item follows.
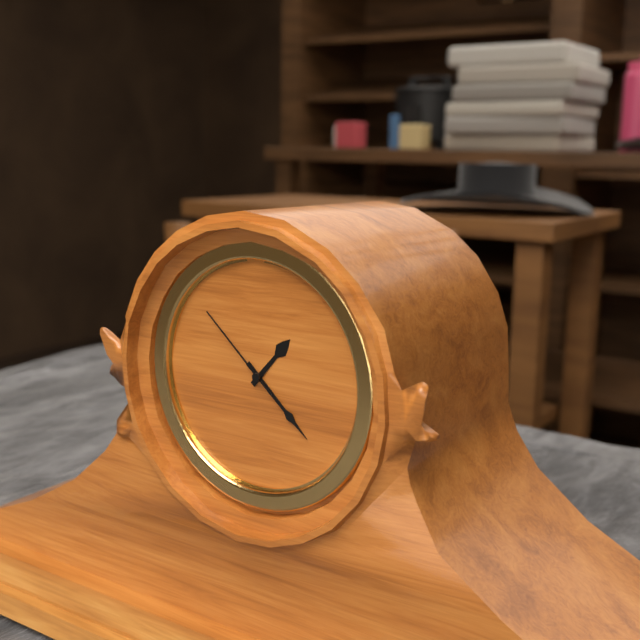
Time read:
1:22:52
